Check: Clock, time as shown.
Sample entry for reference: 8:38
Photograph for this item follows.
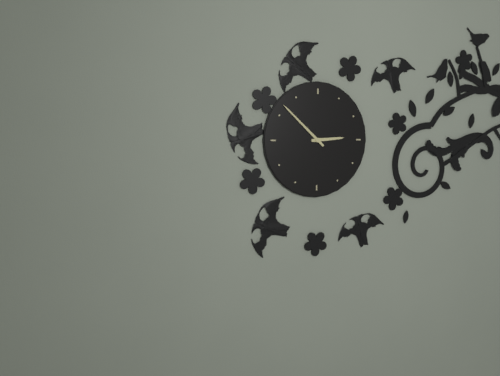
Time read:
2:52
